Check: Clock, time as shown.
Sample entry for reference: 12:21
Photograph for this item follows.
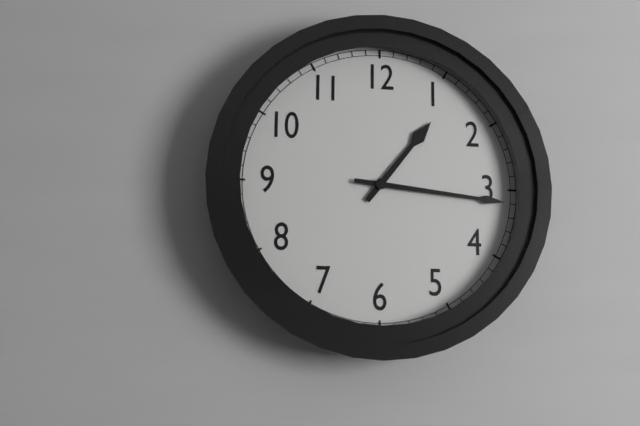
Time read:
1:16
